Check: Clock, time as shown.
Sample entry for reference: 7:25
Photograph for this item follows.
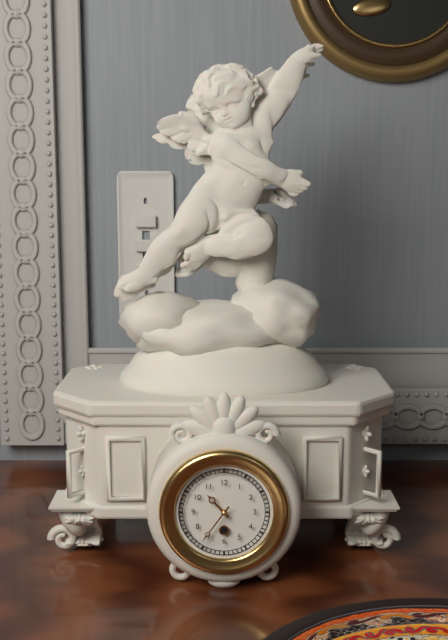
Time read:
10:36
